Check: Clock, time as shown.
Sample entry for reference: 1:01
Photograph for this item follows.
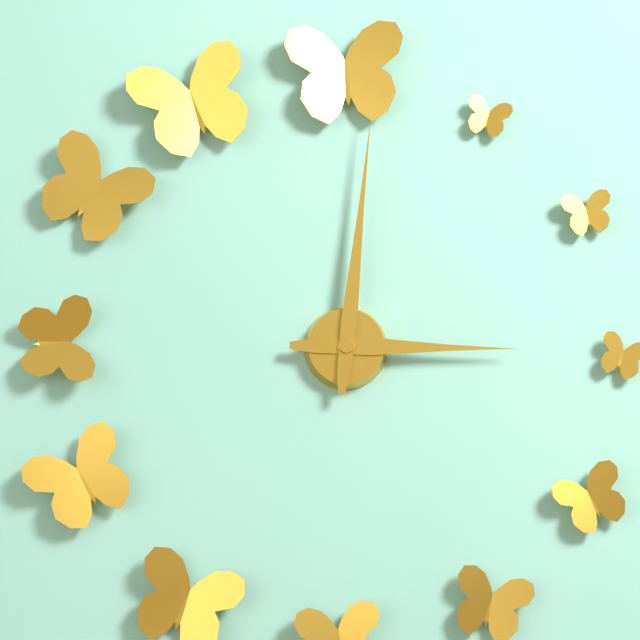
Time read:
3:01
